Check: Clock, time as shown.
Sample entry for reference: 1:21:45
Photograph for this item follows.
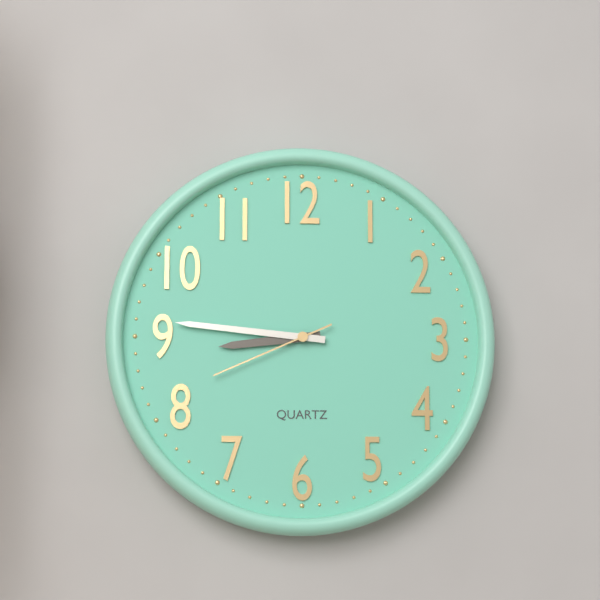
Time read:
8:46:41
